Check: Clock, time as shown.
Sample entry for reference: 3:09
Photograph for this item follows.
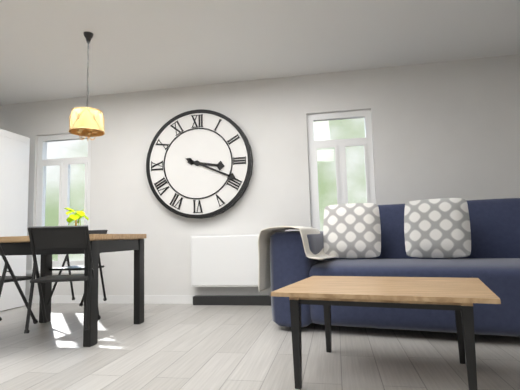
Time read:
3:19
